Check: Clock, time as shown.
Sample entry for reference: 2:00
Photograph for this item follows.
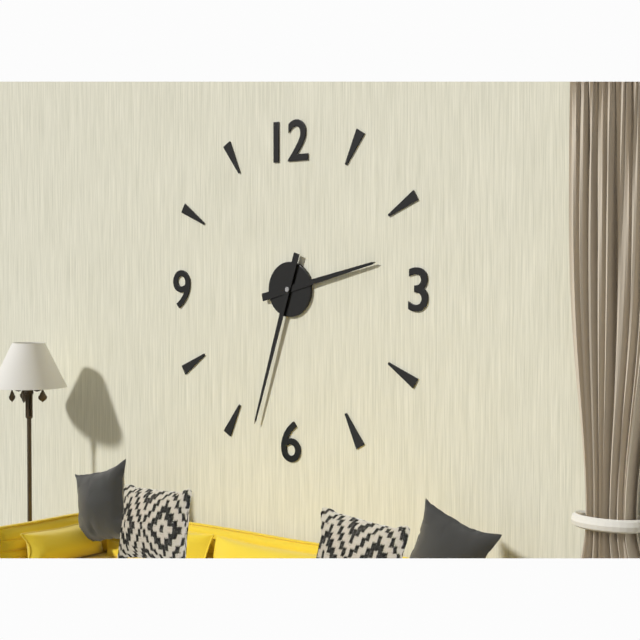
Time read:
2:33
